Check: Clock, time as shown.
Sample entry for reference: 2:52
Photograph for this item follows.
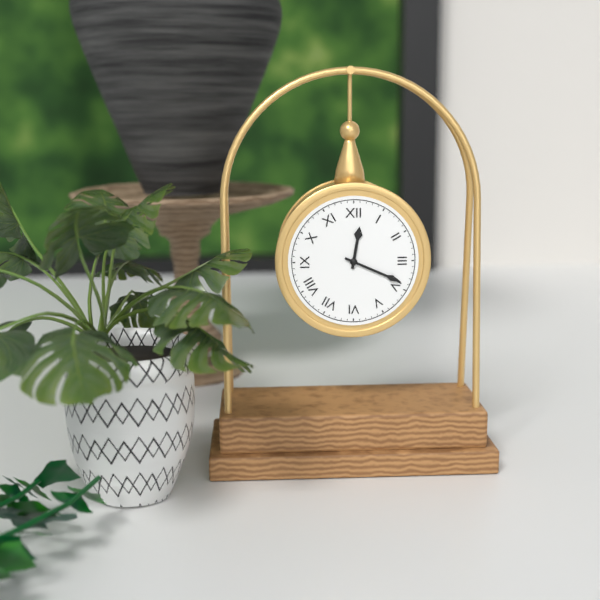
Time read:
12:19
